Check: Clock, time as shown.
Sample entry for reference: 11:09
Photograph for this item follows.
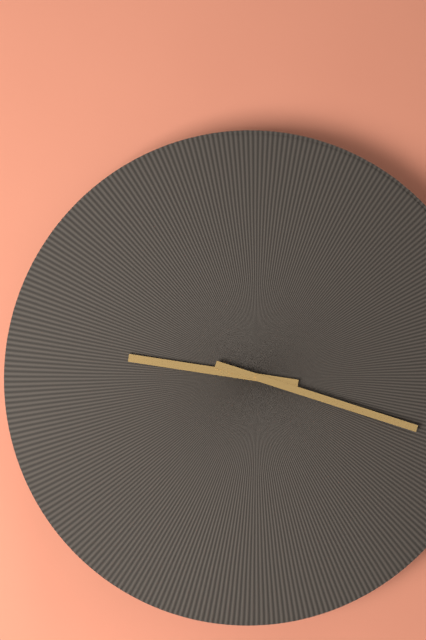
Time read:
9:18
